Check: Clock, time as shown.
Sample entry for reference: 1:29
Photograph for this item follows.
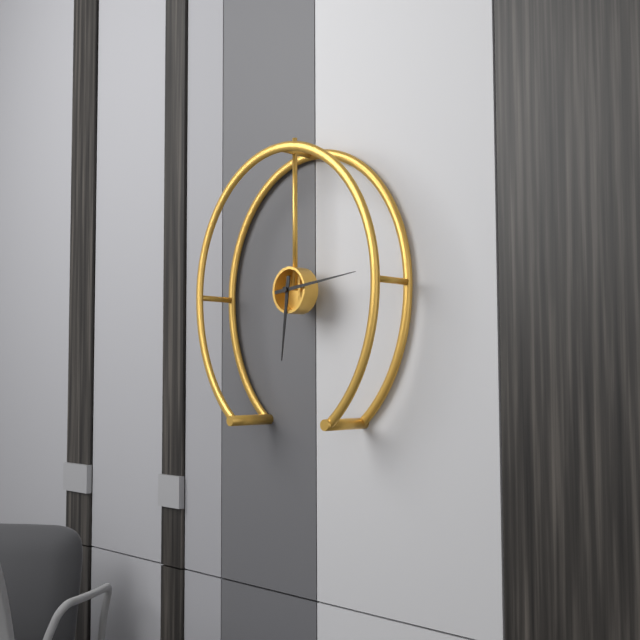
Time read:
6:14
